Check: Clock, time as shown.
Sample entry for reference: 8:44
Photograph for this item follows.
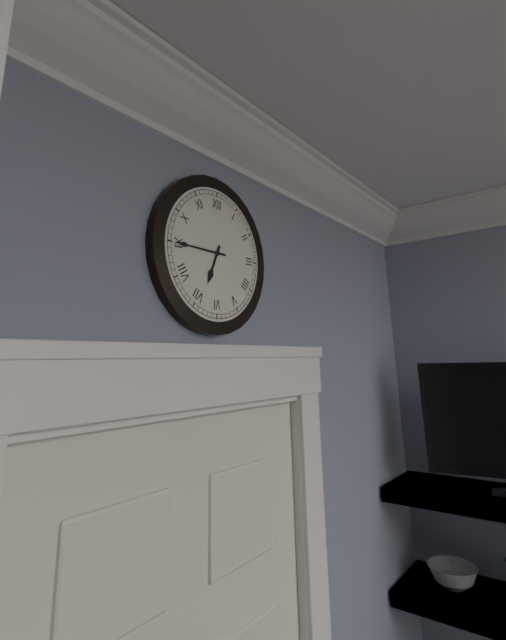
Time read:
6:45
